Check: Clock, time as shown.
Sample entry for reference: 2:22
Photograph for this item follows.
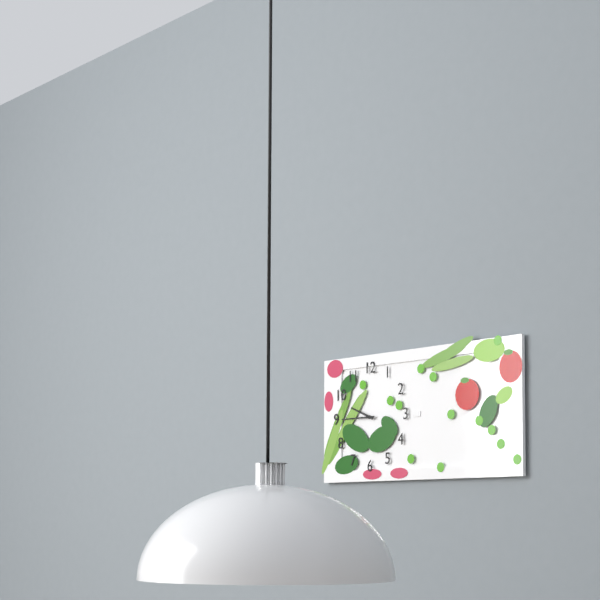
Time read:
9:45
